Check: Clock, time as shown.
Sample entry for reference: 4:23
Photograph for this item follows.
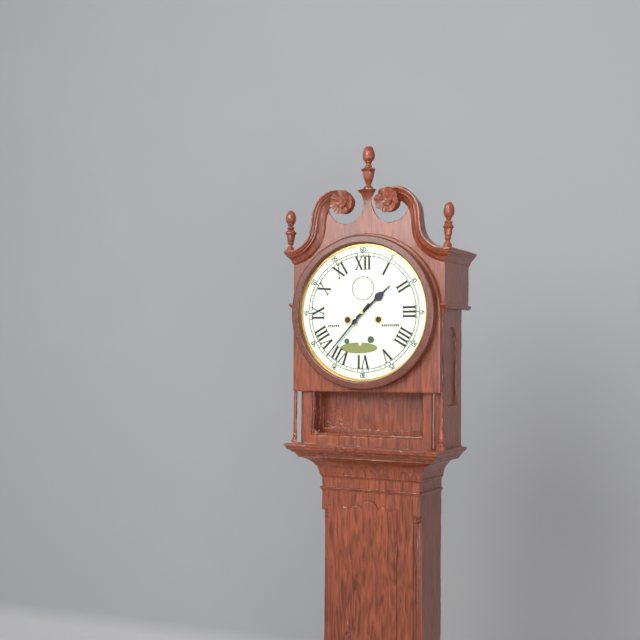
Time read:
1:37
